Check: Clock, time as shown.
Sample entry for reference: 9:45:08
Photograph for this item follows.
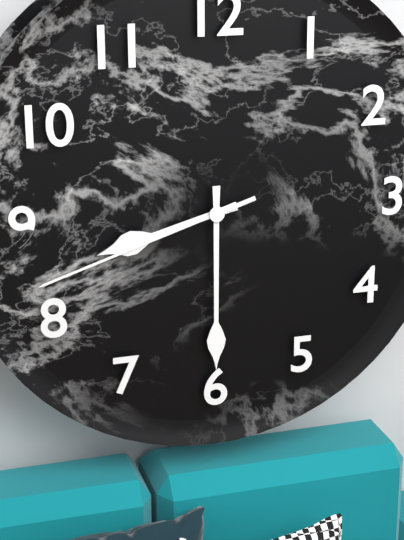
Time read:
8:30:42
